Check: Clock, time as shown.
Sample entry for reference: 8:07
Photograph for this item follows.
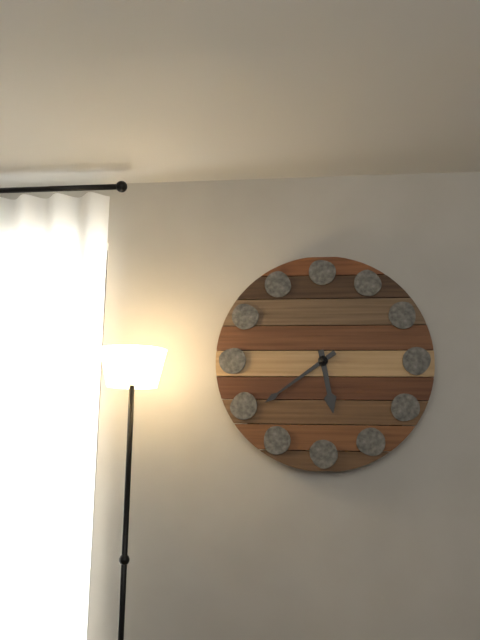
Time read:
5:39
